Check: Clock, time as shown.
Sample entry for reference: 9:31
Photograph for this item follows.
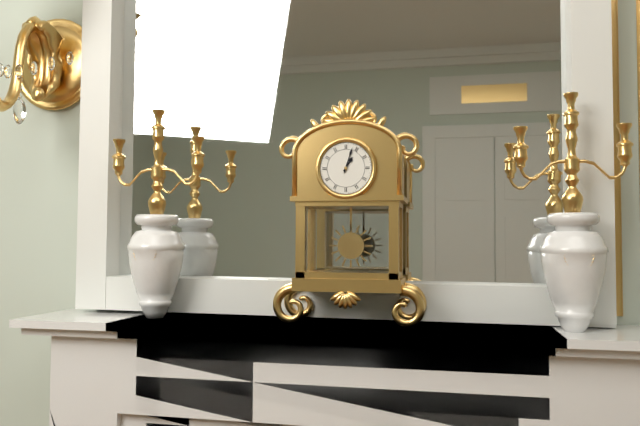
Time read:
1:03
